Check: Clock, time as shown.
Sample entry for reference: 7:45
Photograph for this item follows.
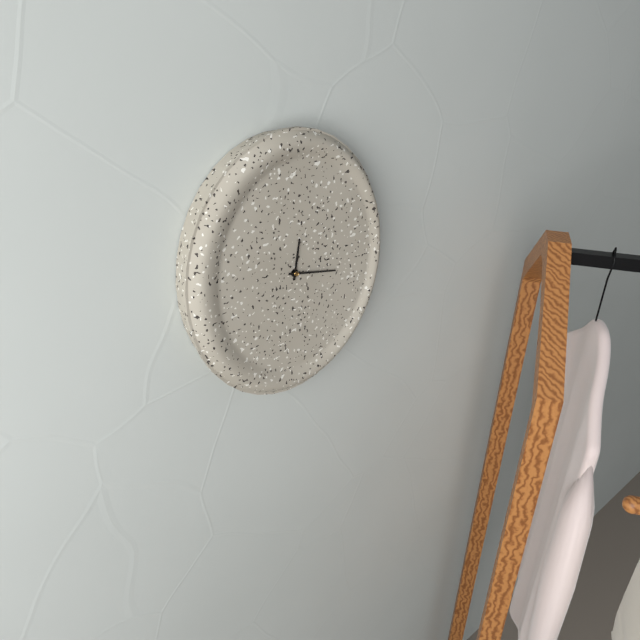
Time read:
12:17
